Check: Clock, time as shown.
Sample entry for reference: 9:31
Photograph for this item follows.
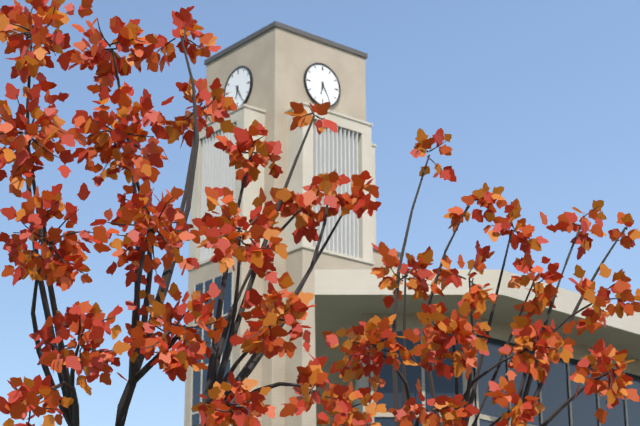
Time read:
6:25
